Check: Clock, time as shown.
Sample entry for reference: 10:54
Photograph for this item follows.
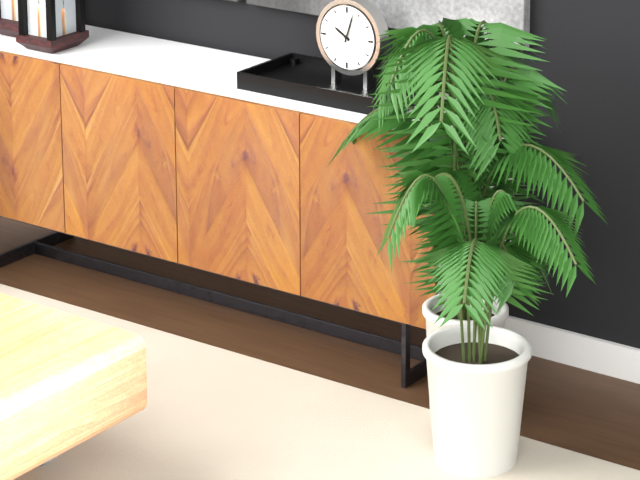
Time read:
10:03
